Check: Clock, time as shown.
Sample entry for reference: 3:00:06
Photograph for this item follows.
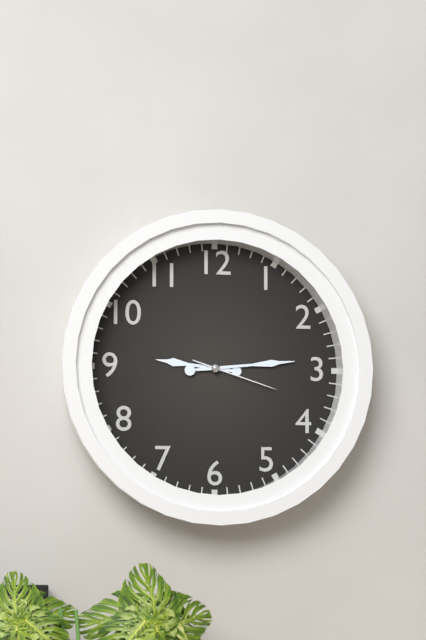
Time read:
9:14:18
